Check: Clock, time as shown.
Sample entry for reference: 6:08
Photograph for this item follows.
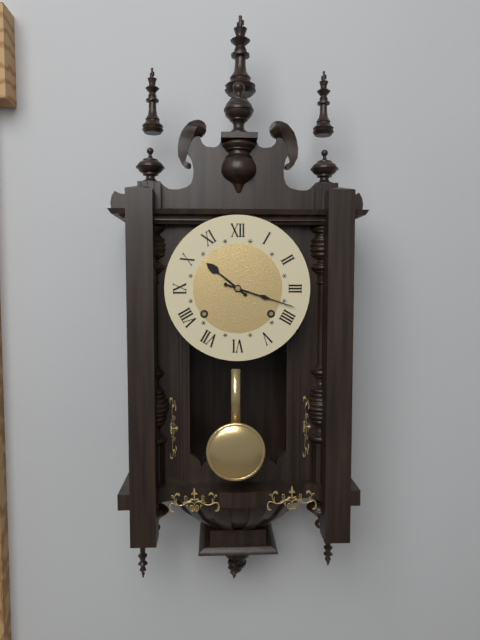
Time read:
10:18
